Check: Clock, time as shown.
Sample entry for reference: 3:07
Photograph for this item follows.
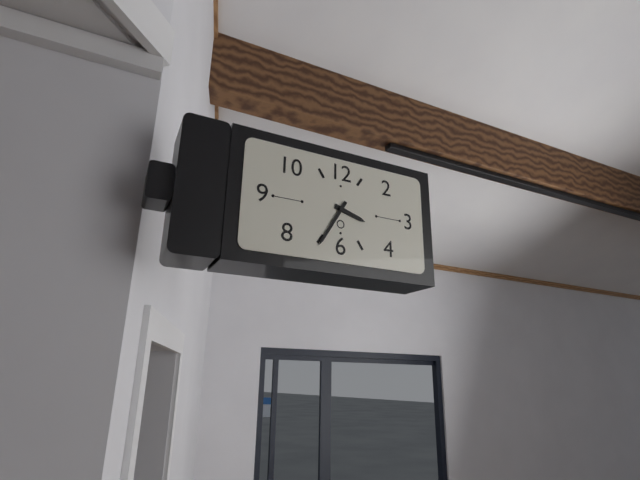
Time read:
3:35
